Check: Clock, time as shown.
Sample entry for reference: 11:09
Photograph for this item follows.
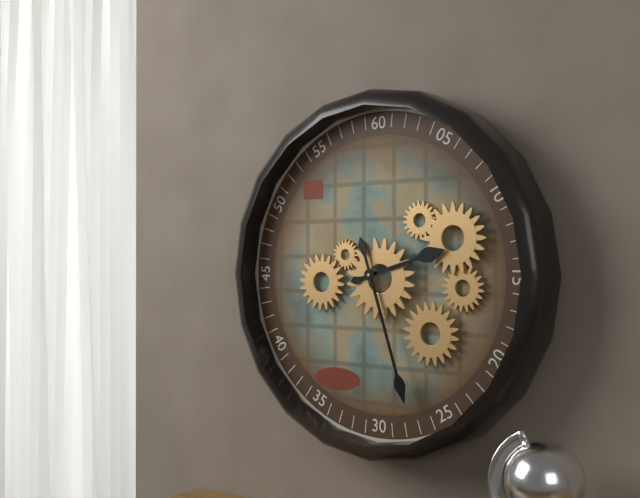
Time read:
2:27
